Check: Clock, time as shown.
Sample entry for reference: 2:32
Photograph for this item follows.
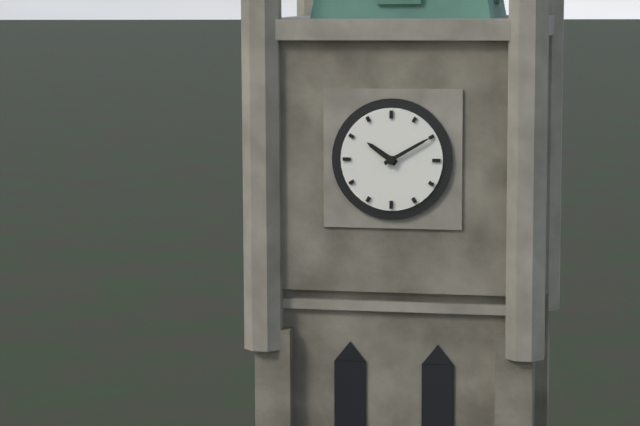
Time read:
10:10
